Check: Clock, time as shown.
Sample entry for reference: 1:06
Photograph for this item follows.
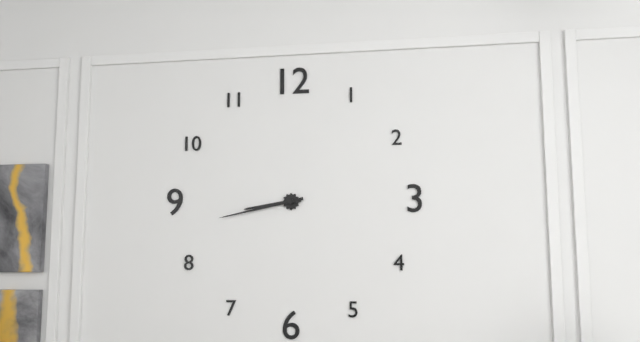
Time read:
8:43
